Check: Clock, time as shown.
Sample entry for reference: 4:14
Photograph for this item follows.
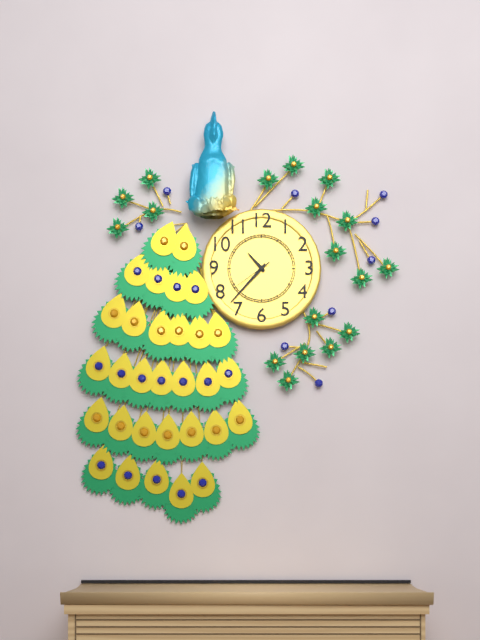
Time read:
10:37
